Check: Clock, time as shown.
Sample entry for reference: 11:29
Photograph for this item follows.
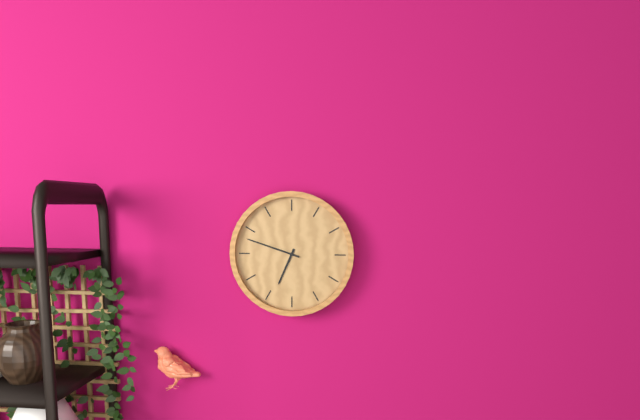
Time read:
6:48
